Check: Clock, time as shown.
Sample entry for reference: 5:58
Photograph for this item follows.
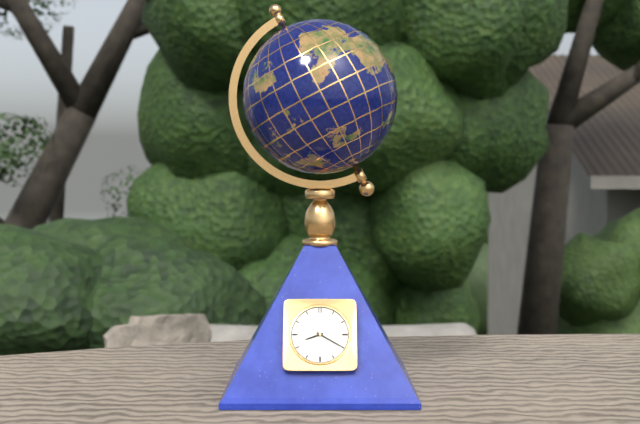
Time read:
8:20
